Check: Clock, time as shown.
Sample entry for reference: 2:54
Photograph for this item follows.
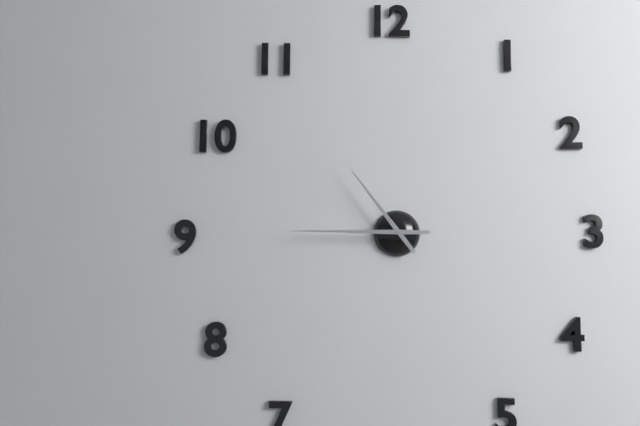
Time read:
10:45
